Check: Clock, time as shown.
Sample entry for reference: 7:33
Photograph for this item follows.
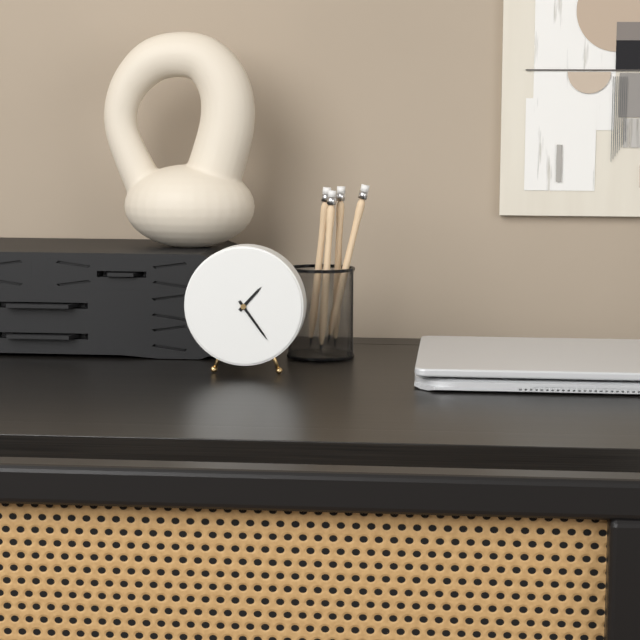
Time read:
1:24
